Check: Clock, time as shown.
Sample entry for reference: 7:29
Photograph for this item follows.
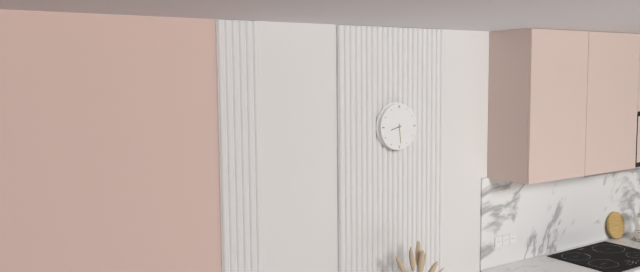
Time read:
8:29
